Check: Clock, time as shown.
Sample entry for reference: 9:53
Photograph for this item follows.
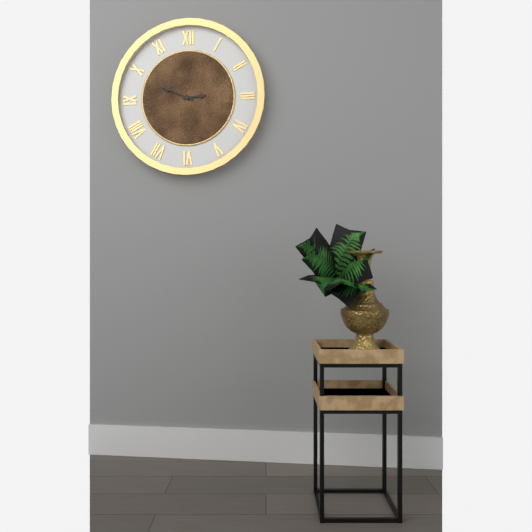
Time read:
2:49
